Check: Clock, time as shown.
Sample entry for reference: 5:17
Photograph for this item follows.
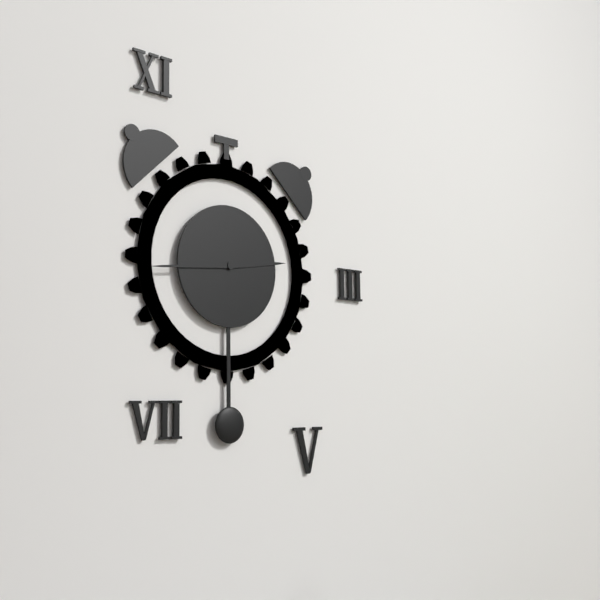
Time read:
2:44
